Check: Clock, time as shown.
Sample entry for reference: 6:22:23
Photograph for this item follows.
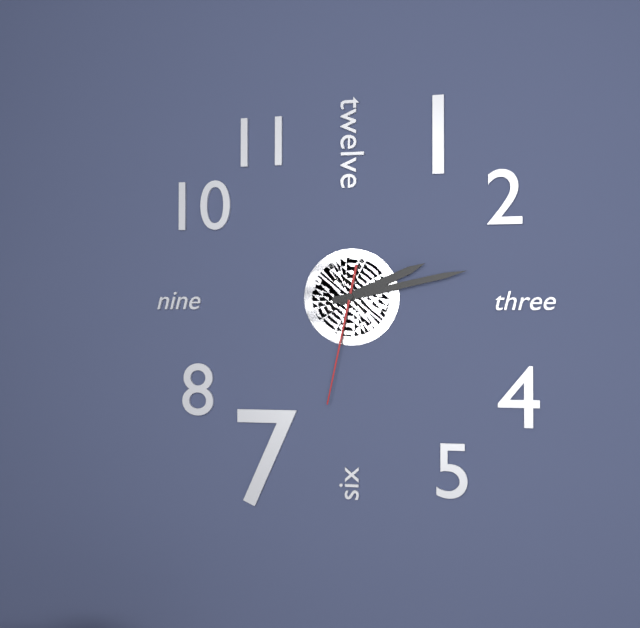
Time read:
2:13:32
